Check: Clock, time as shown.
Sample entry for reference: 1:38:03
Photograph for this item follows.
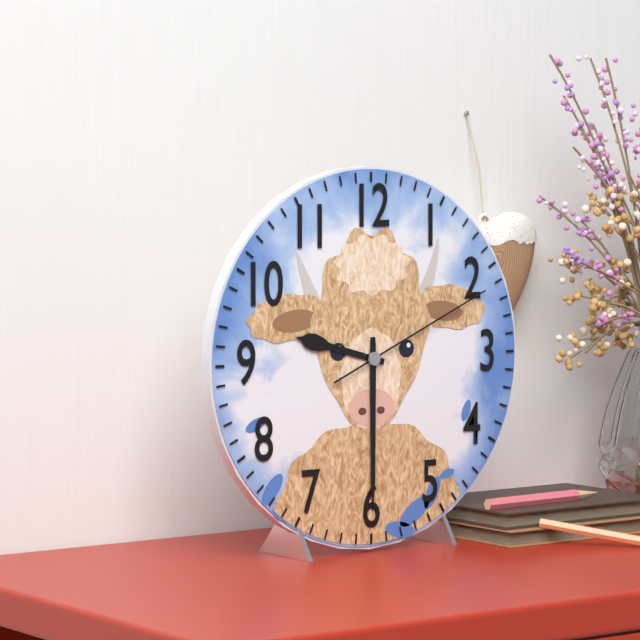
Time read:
9:30:11
